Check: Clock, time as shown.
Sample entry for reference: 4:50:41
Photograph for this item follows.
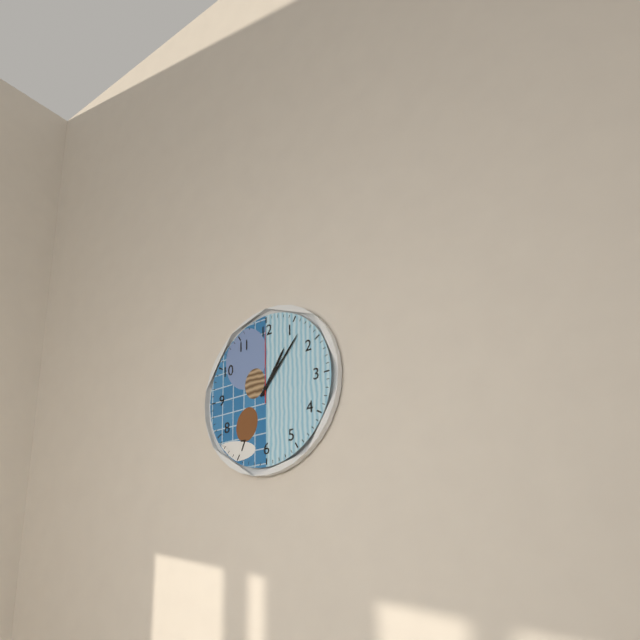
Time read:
1:07:00
